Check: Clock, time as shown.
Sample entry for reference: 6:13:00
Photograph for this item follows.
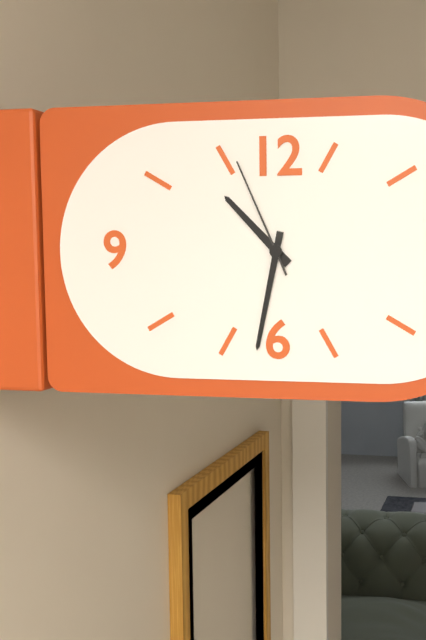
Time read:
10:32:56
